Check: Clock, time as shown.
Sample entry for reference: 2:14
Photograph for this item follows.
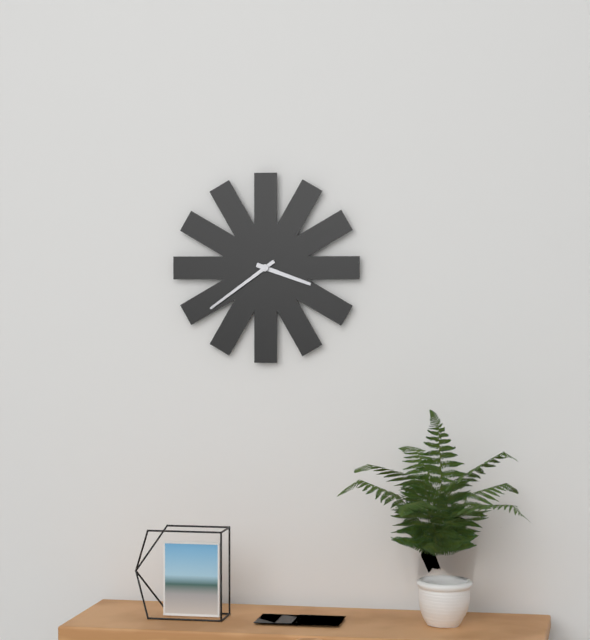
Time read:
3:39
